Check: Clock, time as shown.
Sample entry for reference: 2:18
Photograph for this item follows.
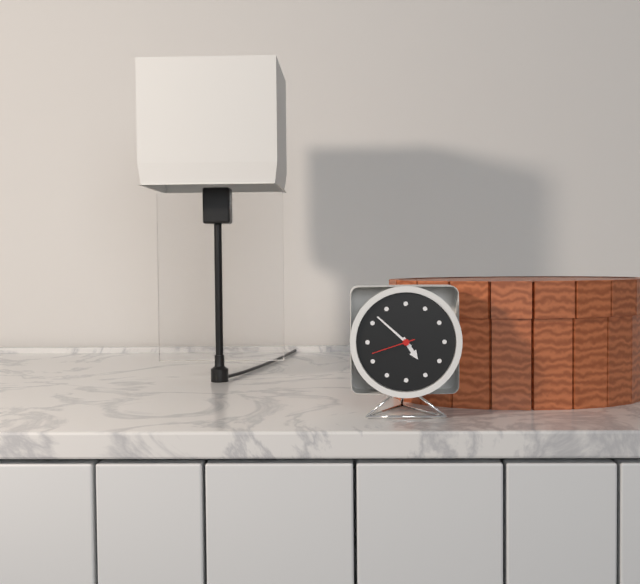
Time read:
4:52
